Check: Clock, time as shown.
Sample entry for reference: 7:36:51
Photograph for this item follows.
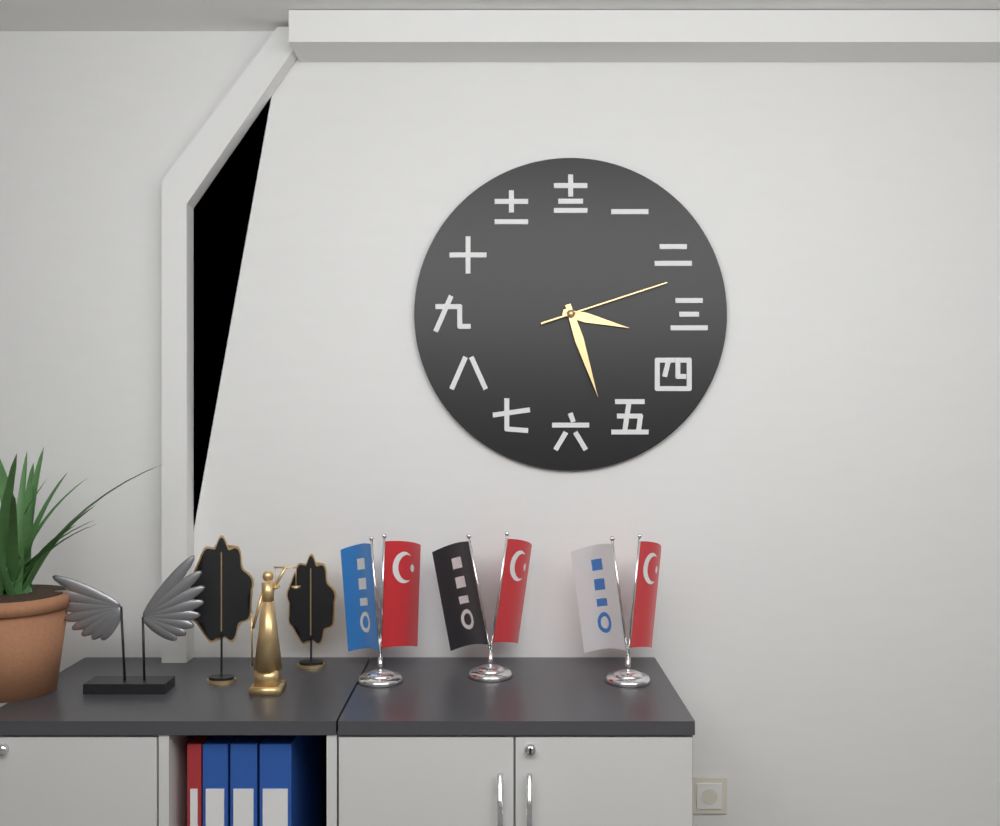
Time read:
3:27:12
